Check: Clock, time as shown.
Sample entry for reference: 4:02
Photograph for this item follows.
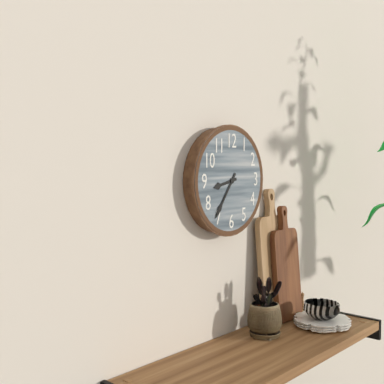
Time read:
8:36
